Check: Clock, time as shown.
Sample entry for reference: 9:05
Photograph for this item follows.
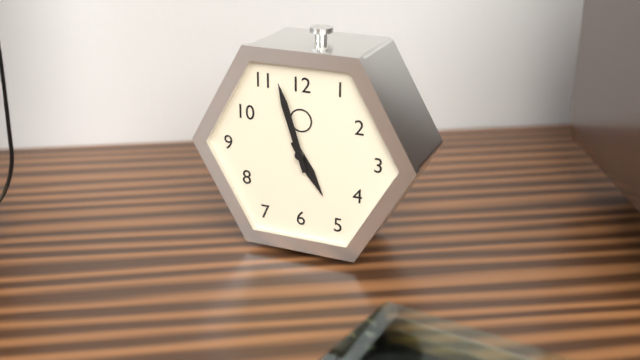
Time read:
4:57
